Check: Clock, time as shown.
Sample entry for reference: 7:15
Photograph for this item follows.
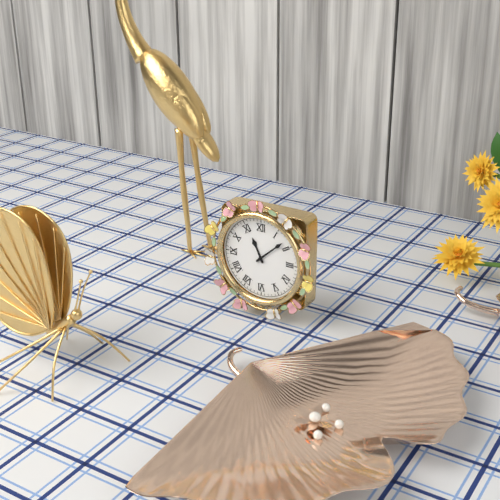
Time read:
11:08
